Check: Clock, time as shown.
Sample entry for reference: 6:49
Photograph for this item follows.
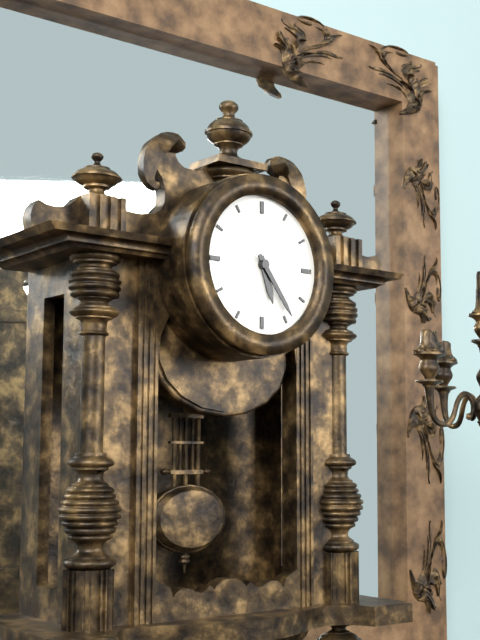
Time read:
5:24
